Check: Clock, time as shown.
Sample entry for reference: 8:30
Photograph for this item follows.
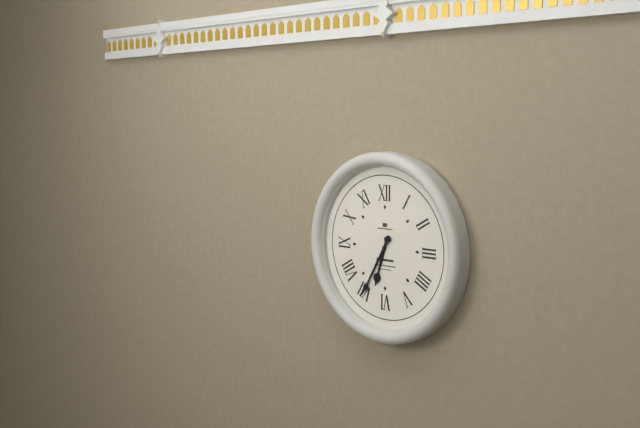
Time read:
6:35
